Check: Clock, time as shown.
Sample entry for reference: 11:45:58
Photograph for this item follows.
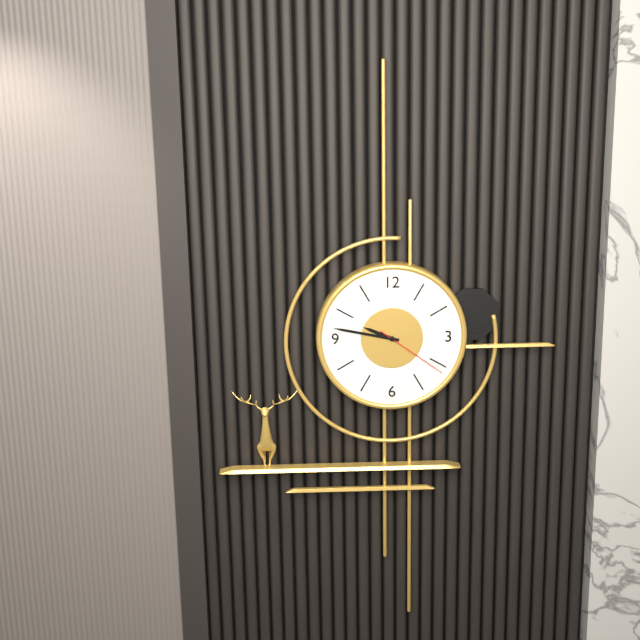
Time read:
9:47:21
